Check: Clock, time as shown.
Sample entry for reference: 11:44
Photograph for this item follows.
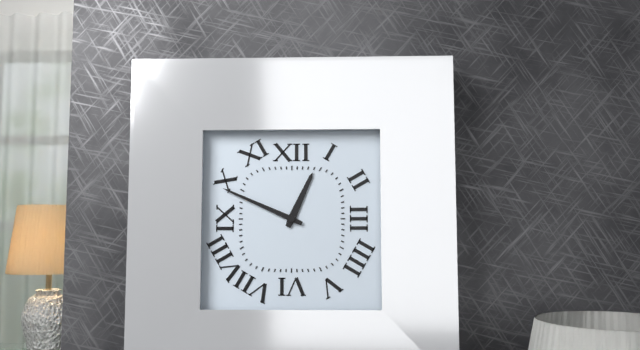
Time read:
12:49
